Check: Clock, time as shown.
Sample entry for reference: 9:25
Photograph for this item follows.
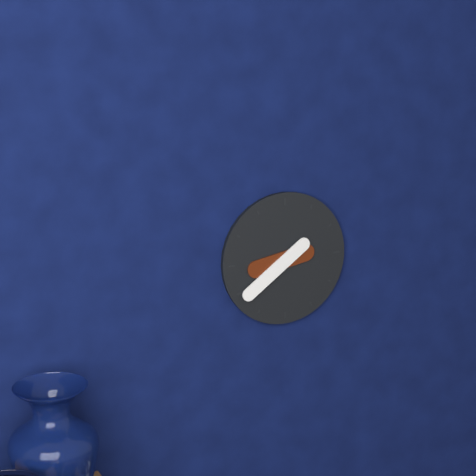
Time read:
8:39
